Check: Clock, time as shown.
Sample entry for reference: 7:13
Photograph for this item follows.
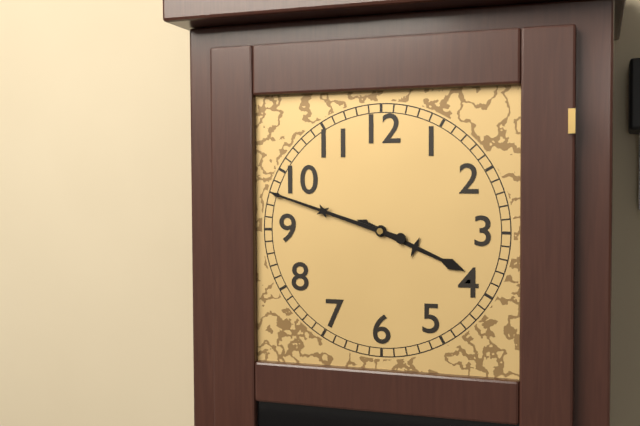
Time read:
3:48
